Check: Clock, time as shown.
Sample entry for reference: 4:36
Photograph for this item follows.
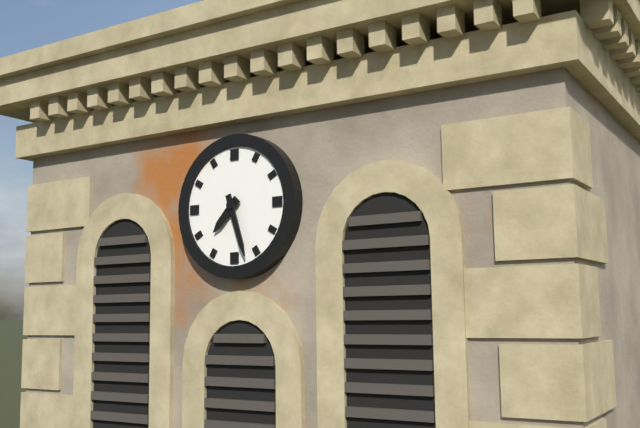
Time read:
7:27
